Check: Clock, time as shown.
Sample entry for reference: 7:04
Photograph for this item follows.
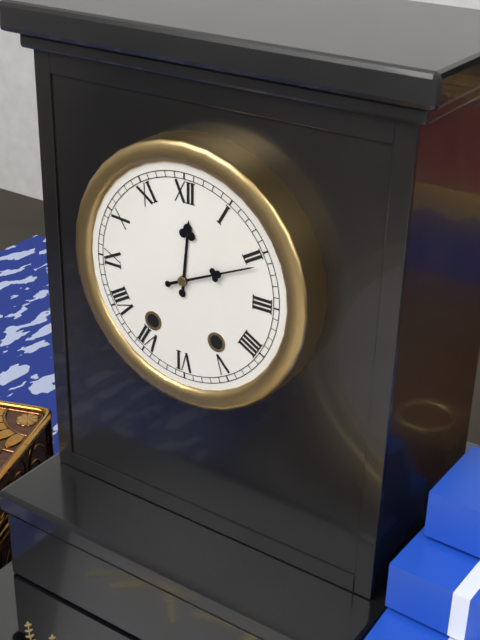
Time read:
12:11
